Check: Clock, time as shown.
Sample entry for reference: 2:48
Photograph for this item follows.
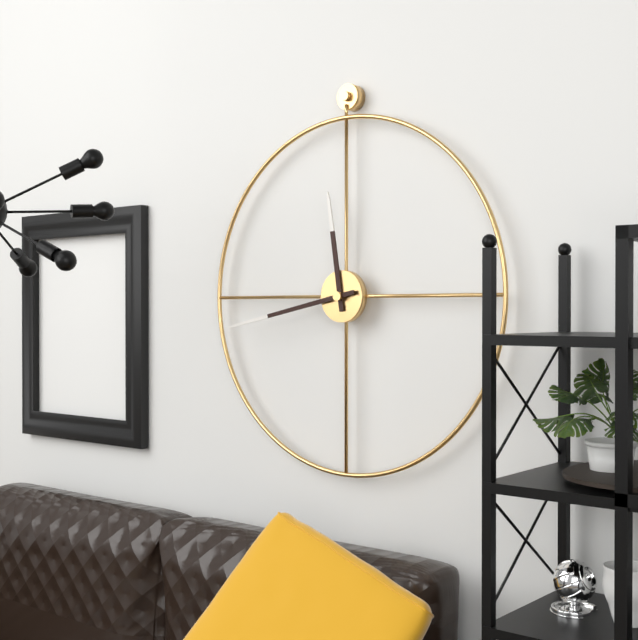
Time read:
11:43
